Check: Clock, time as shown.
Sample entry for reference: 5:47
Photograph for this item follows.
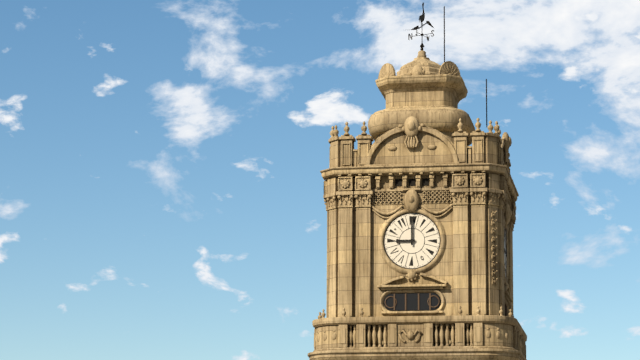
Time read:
9:00
